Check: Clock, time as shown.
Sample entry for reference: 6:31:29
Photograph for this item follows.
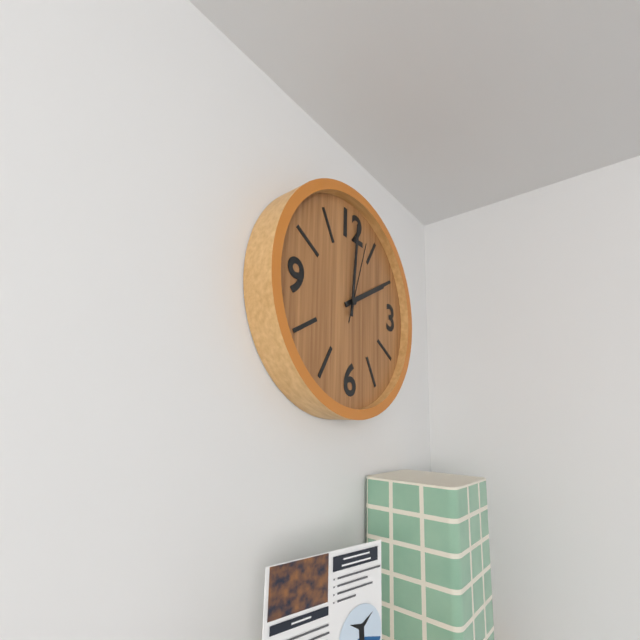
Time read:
2:01:03
